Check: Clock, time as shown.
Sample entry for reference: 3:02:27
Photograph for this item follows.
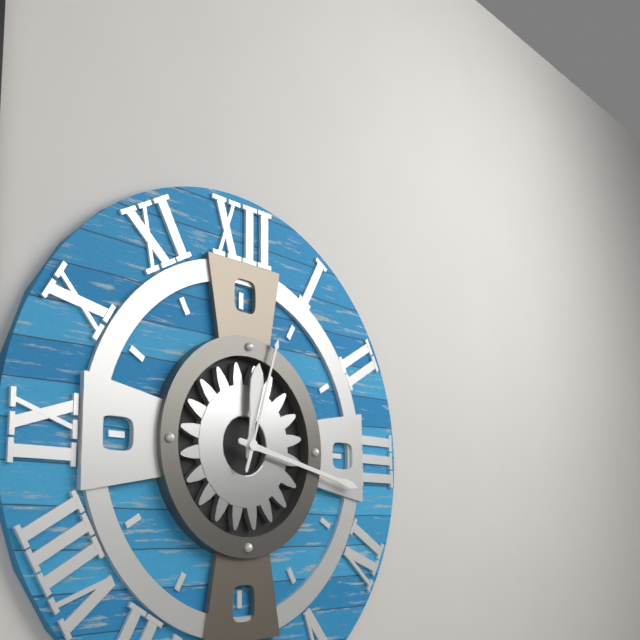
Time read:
12:17:03
